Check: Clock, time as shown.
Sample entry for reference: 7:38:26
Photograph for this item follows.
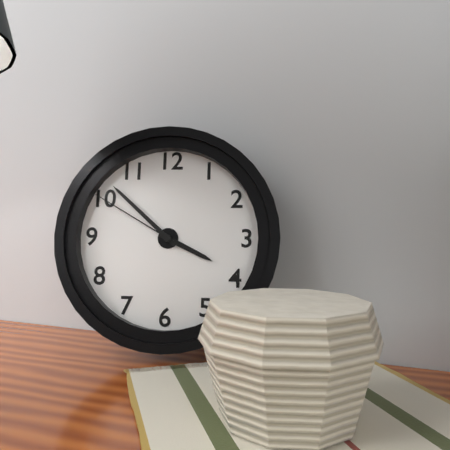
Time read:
3:52:50
